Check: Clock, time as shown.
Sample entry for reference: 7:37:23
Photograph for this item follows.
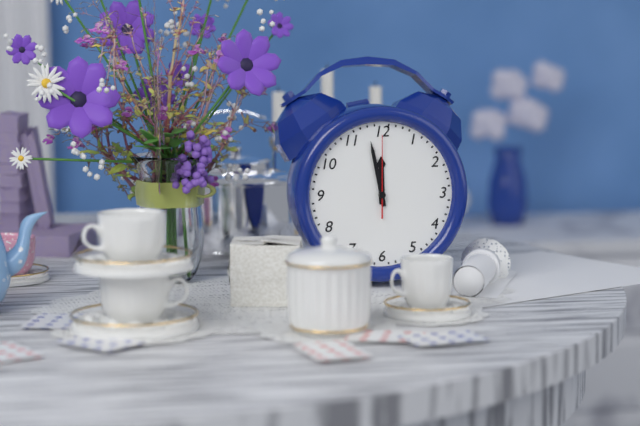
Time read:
11:58:00
